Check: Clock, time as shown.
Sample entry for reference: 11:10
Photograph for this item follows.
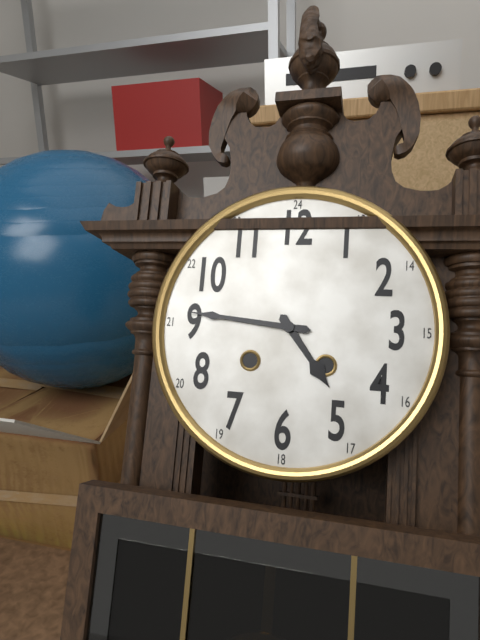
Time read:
4:46
